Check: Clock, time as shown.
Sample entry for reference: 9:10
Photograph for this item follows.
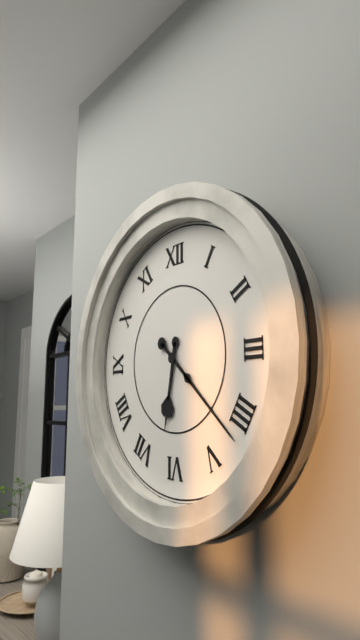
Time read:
6:22
